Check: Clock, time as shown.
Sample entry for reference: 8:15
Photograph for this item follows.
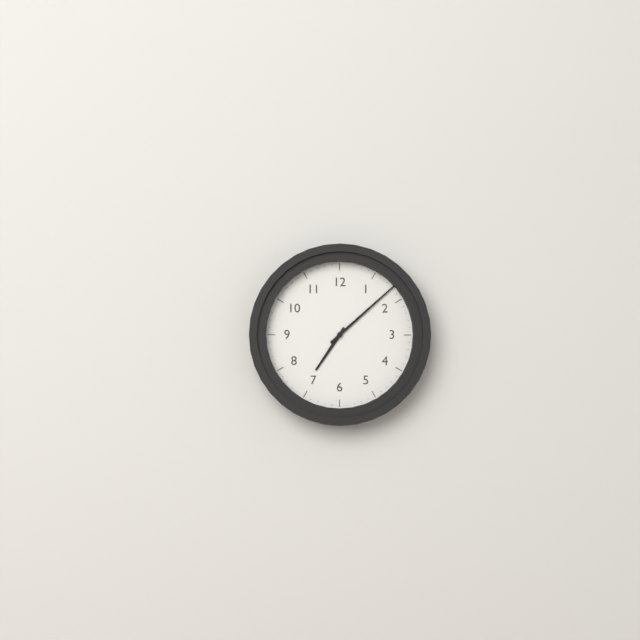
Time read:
7:08
